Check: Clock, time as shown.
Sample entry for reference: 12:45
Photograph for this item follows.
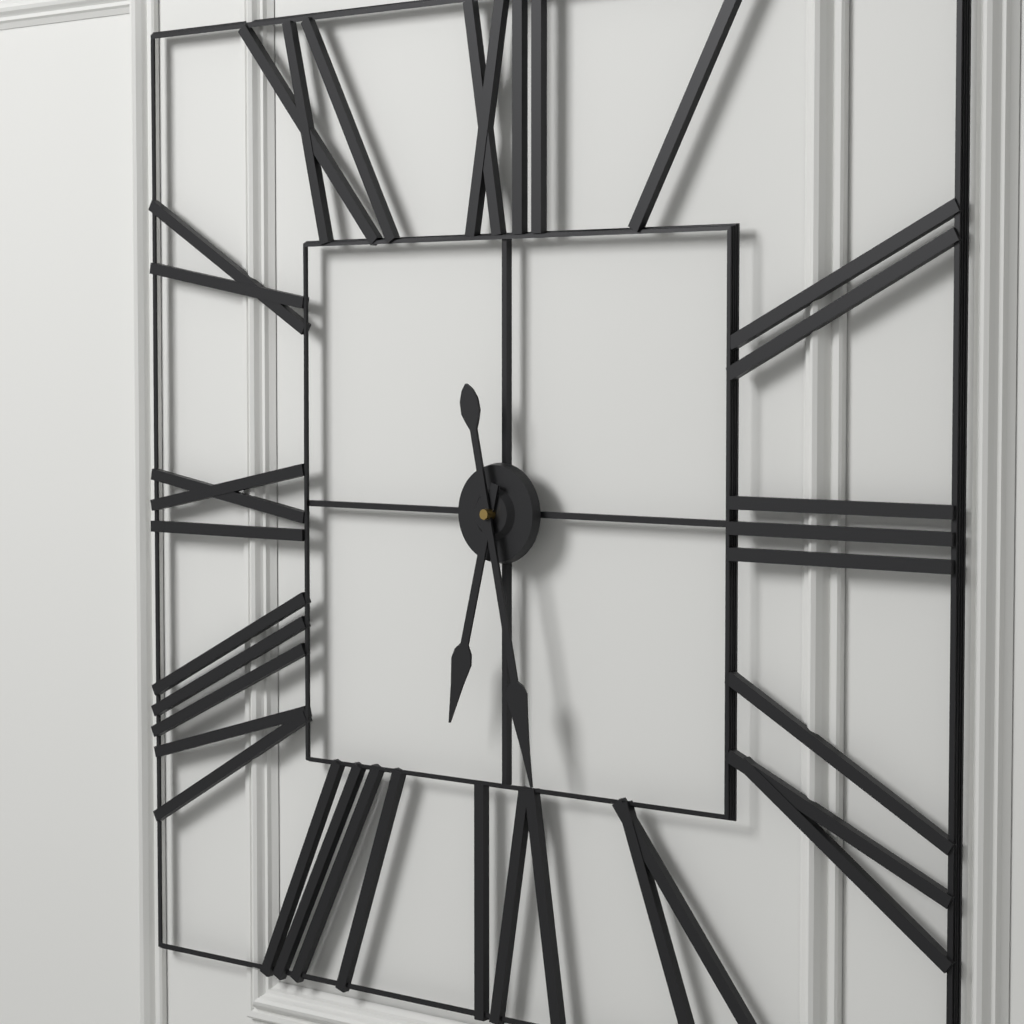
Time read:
6:28
